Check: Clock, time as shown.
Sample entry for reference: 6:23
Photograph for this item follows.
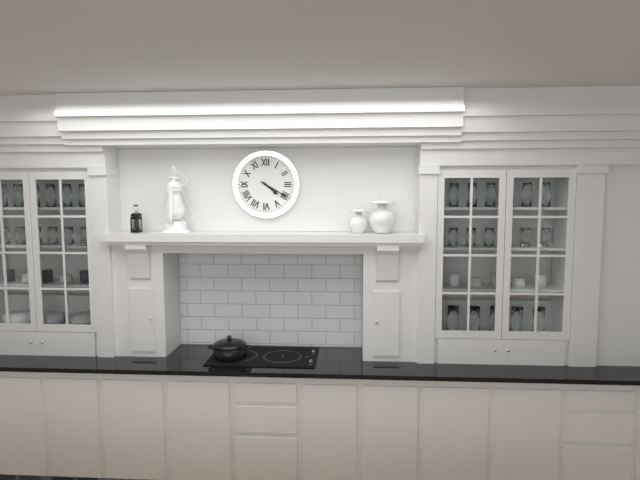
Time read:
4:20
